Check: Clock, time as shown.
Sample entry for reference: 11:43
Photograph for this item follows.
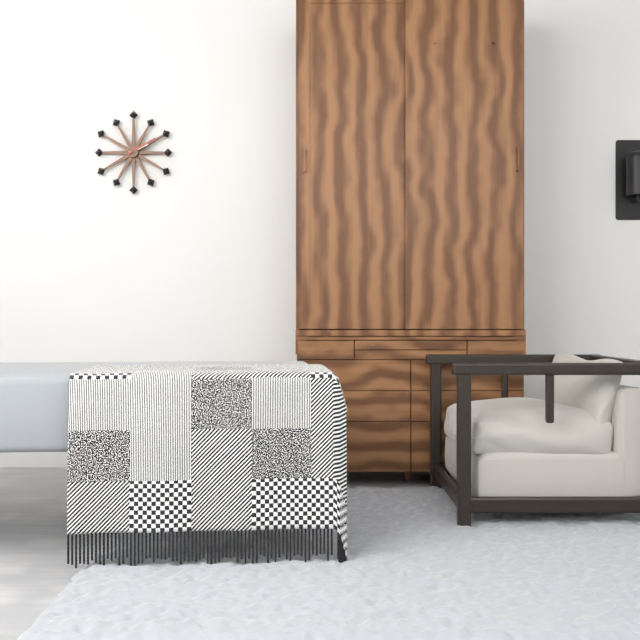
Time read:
2:10
